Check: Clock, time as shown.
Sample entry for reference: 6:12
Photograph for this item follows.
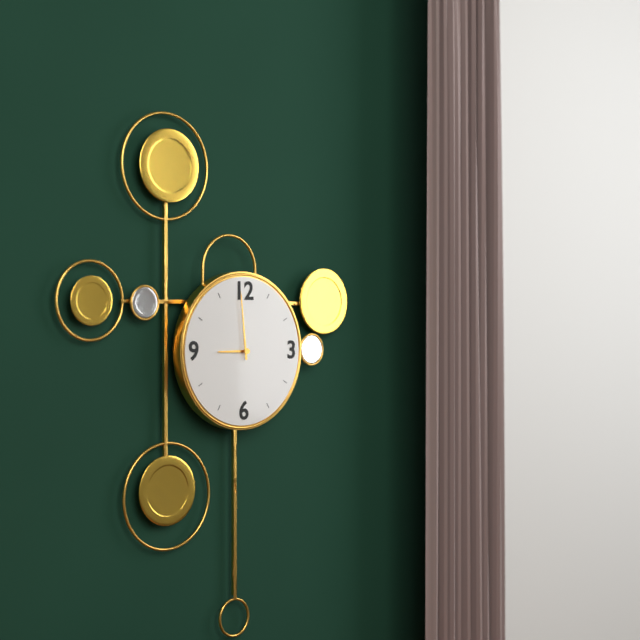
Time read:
8:59
